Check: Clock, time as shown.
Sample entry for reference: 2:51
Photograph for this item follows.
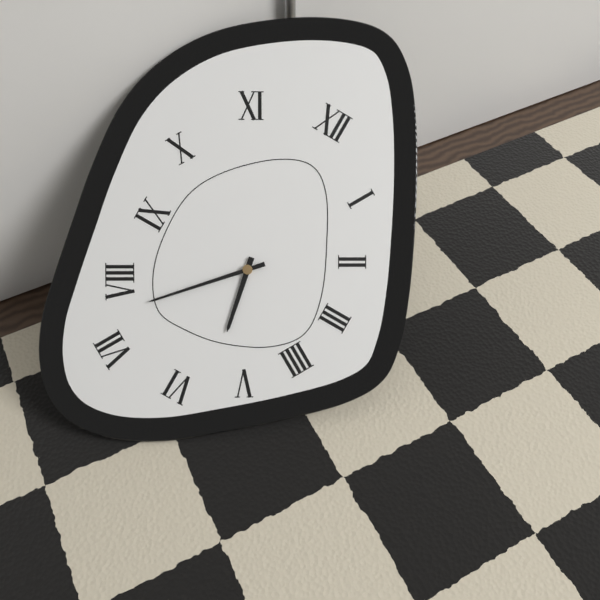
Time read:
5:37
